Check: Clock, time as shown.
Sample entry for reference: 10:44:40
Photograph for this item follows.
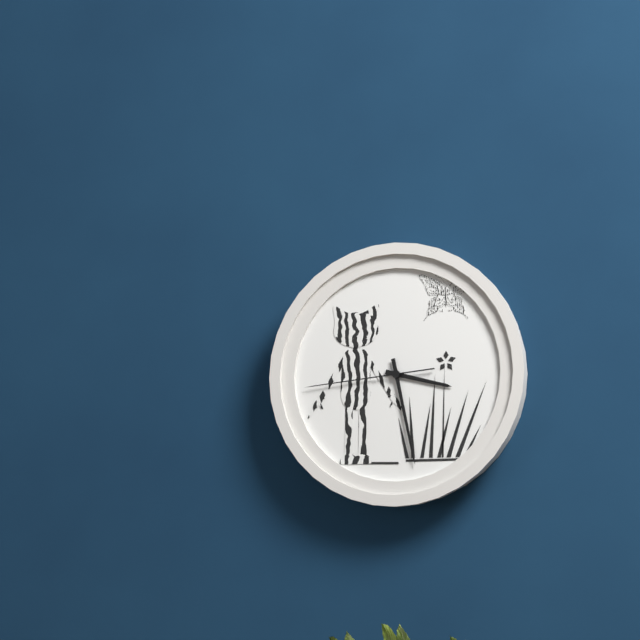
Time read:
3:28:44
